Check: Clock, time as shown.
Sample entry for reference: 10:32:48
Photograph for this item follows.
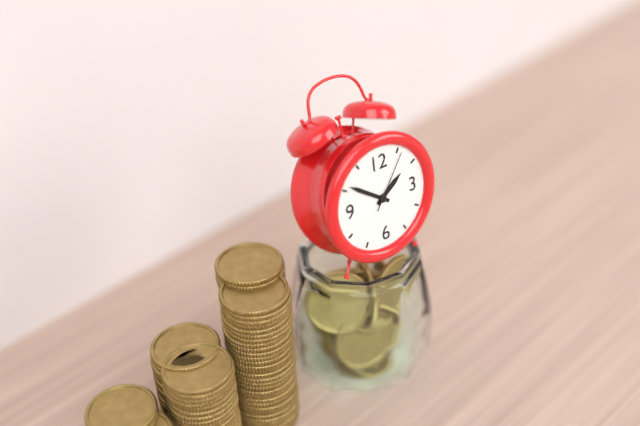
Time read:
1:51:06
